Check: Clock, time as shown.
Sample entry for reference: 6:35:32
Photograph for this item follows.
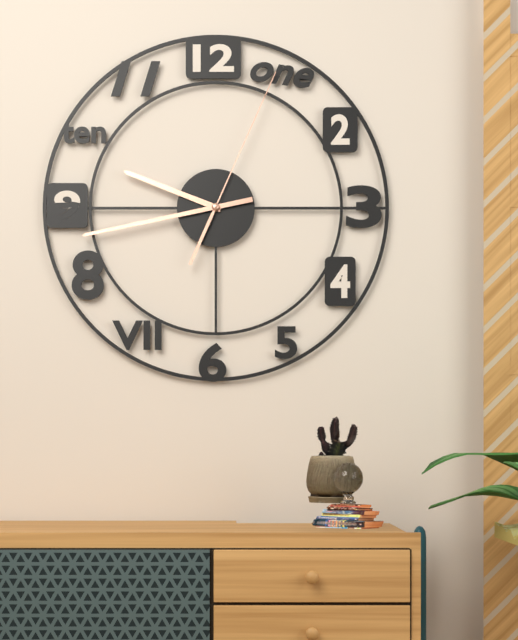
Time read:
9:43:04
